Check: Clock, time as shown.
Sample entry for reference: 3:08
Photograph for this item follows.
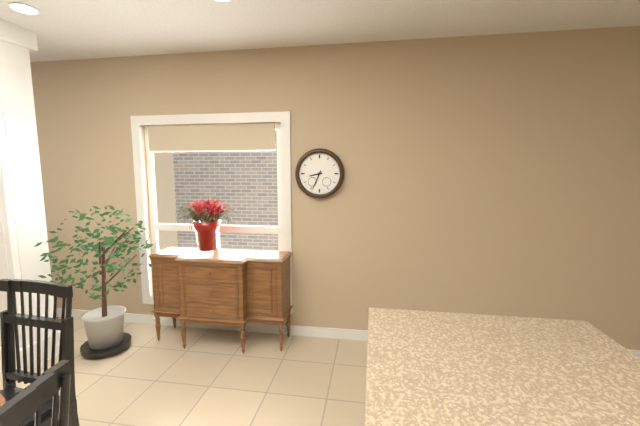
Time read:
8:34
